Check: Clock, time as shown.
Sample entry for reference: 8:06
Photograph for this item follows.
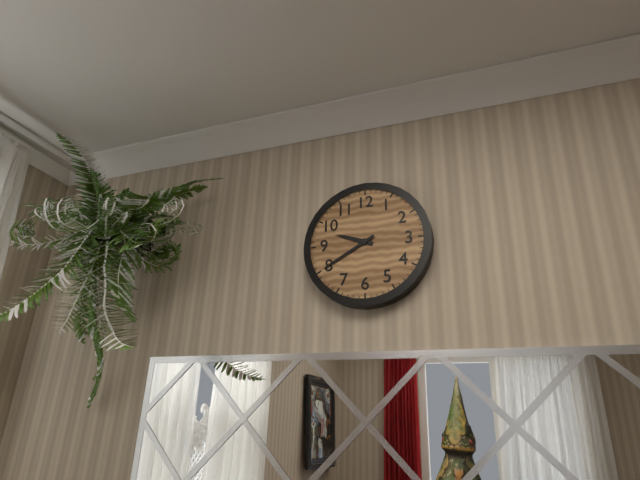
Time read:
9:40
